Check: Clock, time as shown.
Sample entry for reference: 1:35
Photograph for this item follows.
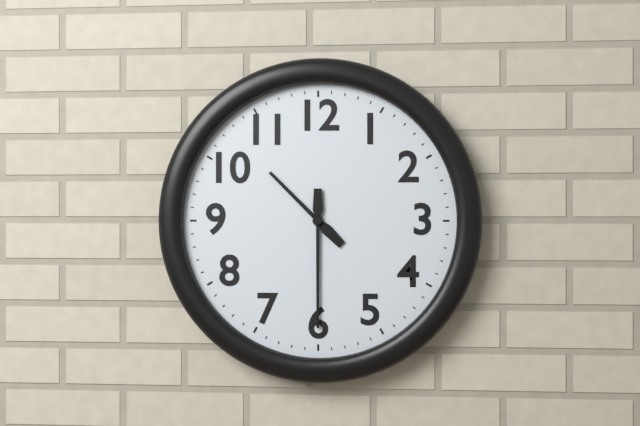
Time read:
10:30
